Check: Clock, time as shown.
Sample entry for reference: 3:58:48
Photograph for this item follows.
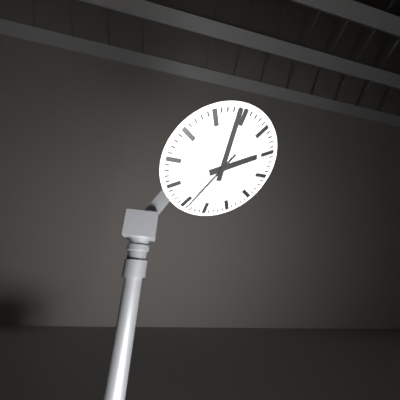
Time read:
1:59:34
